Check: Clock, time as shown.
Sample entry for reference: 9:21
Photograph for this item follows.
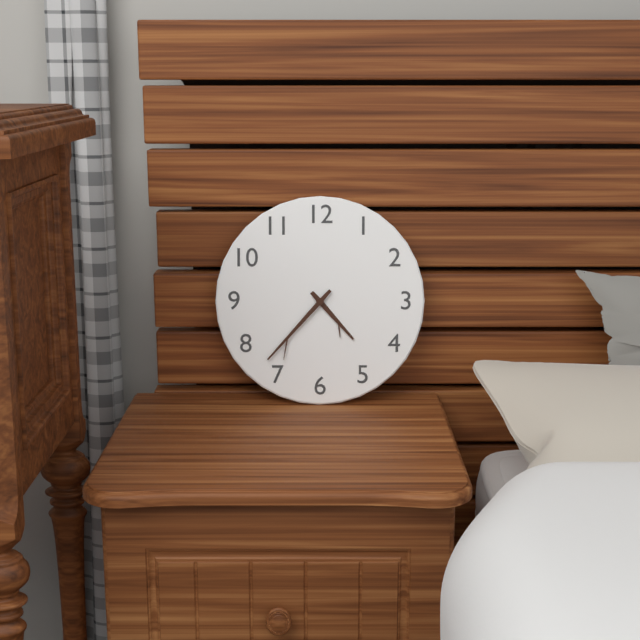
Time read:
4:37
